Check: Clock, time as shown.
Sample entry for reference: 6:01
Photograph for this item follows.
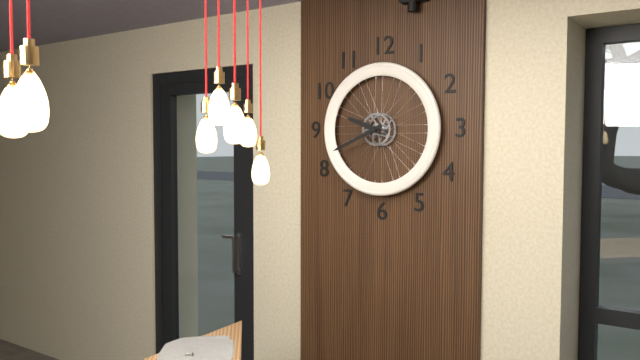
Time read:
9:41
